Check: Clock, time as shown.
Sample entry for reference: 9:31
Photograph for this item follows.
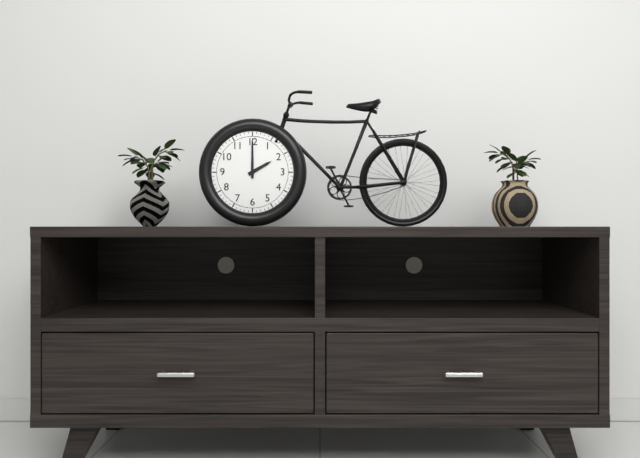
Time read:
2:00
